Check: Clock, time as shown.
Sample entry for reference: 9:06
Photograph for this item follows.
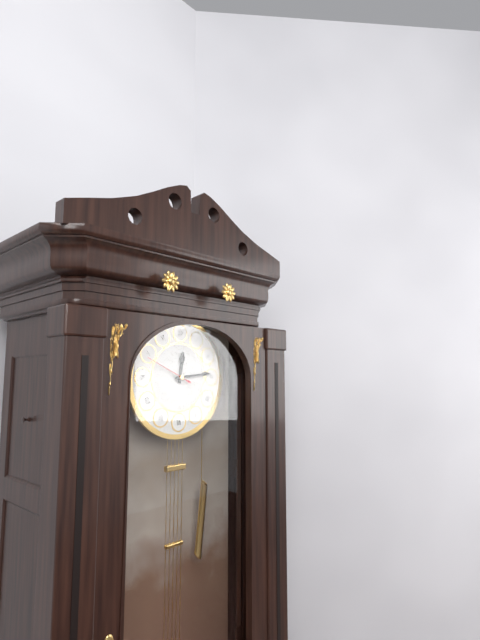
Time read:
12:14
